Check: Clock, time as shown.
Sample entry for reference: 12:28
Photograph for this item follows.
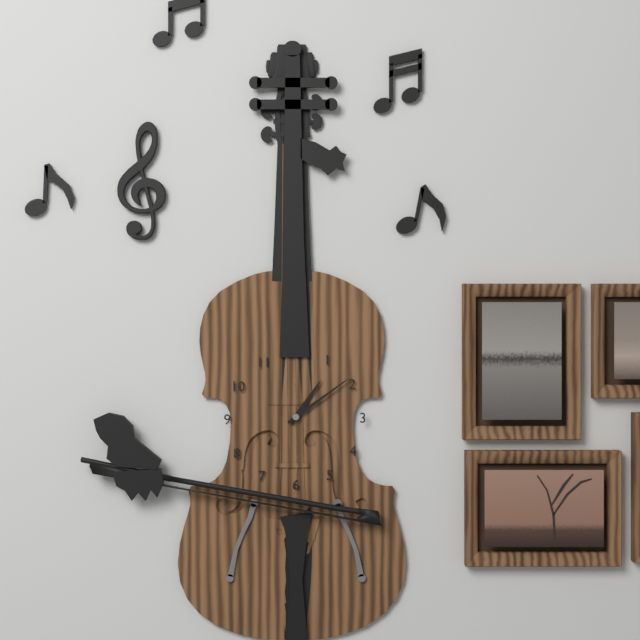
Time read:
1:09
